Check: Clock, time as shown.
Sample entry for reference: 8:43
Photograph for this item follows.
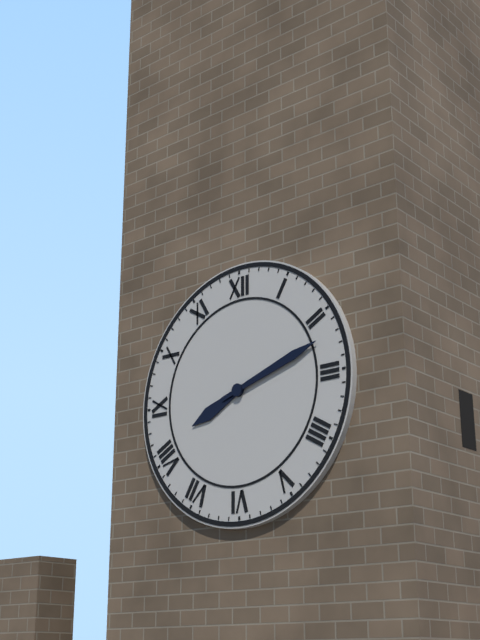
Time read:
8:12
